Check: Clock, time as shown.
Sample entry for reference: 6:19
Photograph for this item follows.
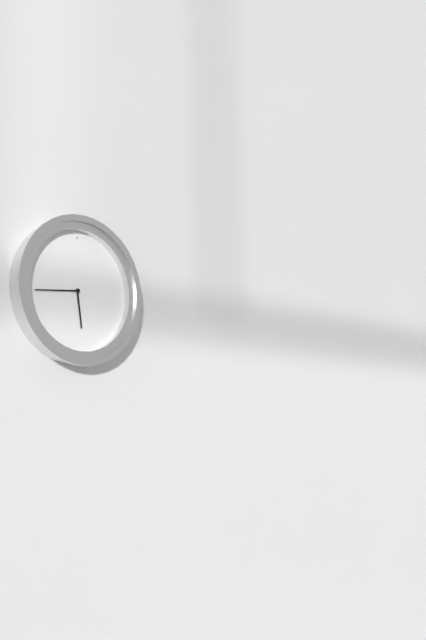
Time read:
5:44
